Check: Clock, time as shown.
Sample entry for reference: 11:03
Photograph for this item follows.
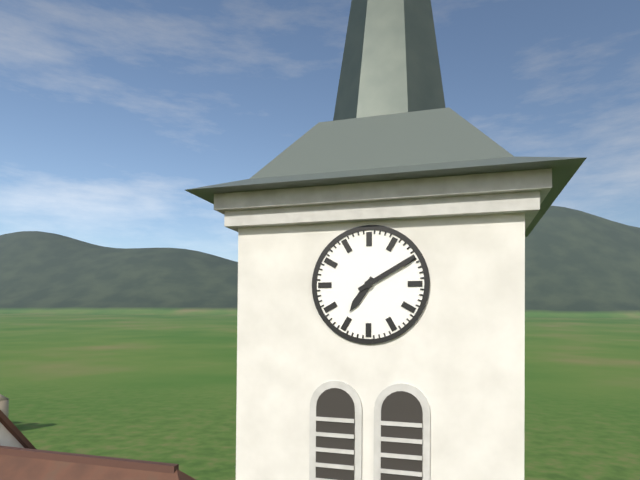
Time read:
7:10
